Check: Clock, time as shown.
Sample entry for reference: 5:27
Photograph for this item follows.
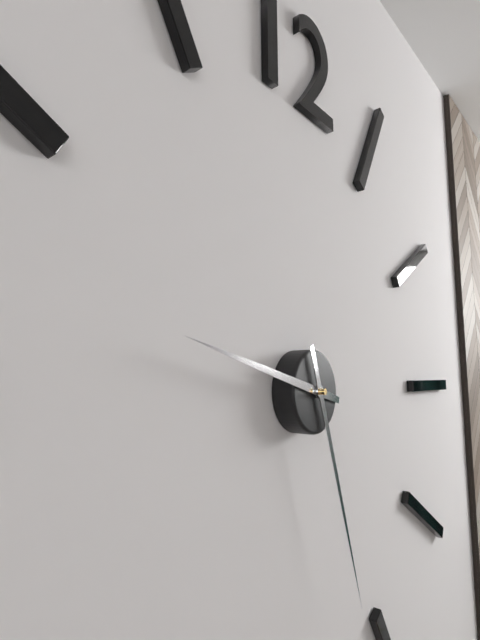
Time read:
9:27
